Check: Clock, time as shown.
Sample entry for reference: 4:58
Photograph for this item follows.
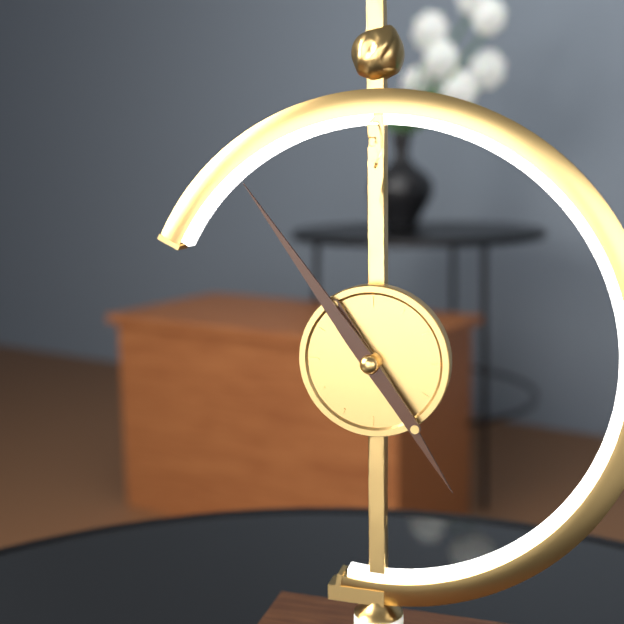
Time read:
4:54
